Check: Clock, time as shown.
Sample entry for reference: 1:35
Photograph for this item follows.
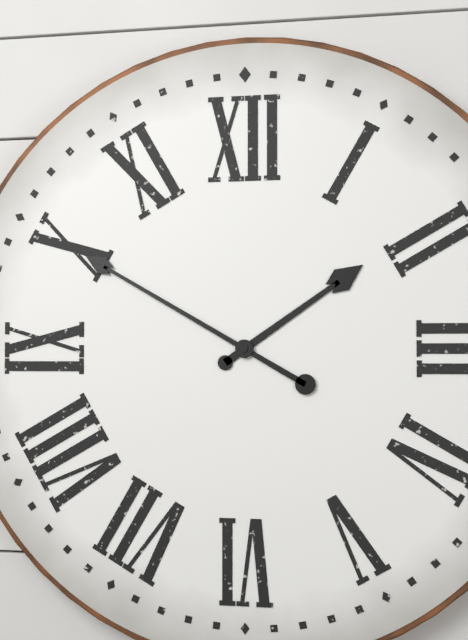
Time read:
1:50
